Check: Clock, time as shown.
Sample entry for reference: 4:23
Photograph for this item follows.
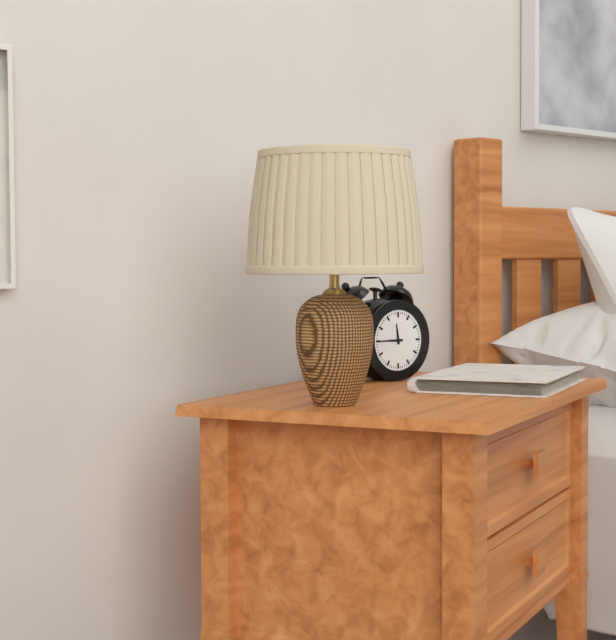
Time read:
11:45
